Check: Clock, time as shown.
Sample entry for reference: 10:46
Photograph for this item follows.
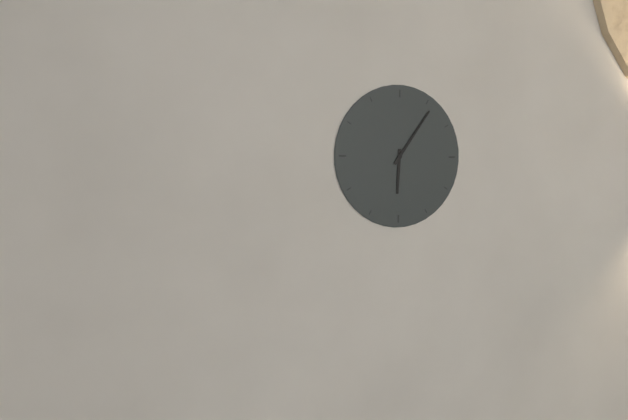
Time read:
6:06
